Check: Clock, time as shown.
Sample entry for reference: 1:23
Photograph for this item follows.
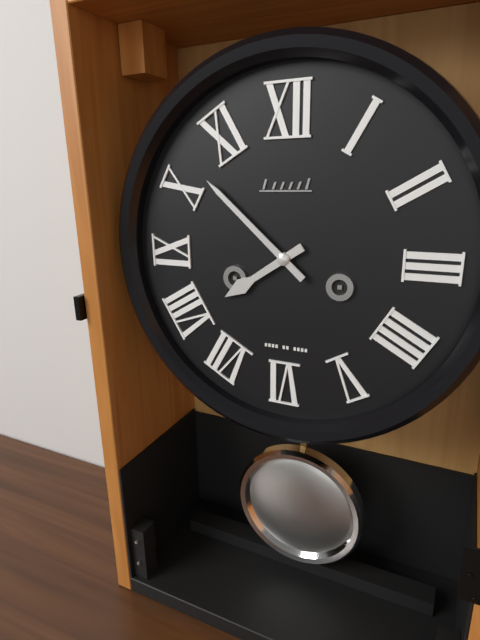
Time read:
7:52
